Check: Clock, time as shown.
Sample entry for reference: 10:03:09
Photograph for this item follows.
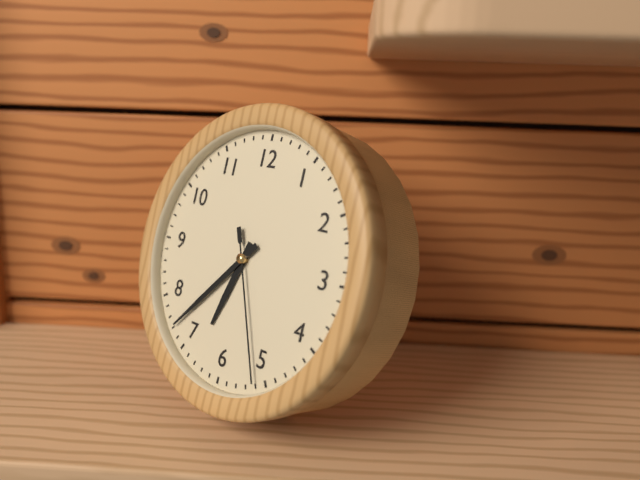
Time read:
6:37:26
